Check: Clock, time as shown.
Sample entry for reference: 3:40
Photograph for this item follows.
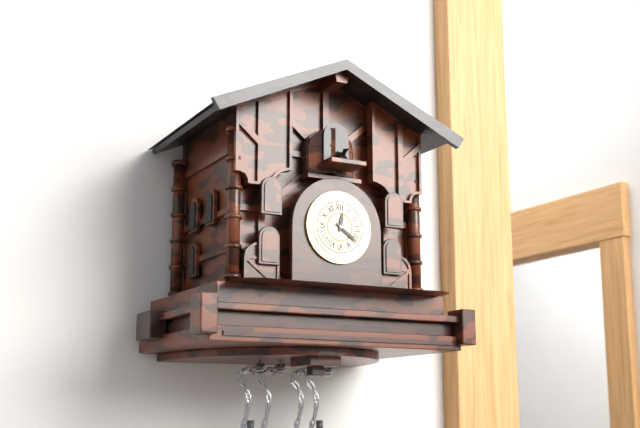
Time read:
12:21
